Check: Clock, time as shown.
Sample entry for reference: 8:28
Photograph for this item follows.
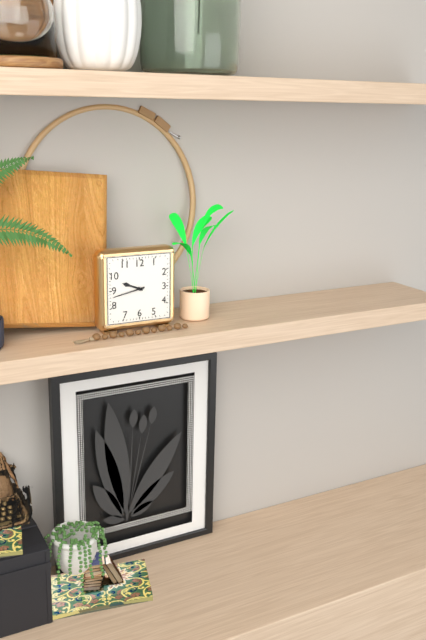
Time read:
9:43
